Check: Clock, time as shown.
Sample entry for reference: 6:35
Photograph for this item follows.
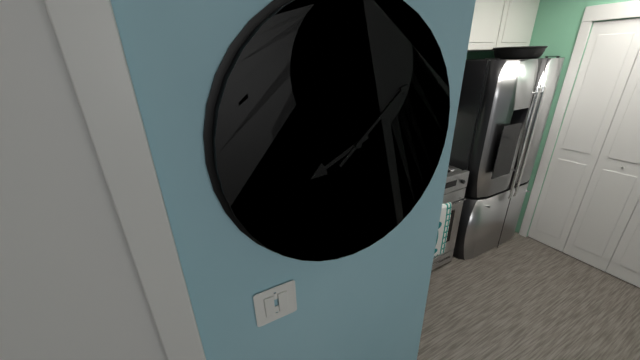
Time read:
8:08
